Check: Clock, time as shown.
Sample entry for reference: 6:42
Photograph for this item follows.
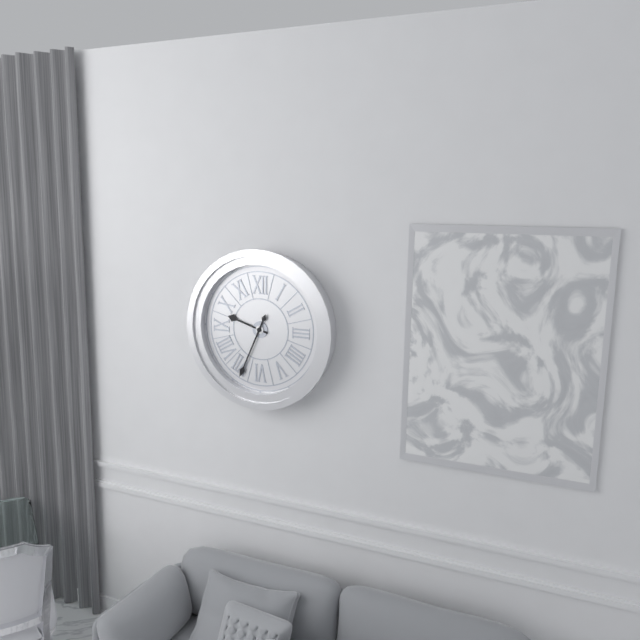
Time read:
9:34
